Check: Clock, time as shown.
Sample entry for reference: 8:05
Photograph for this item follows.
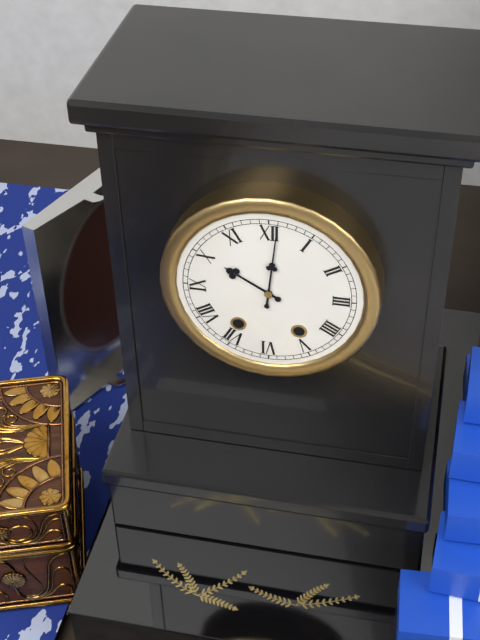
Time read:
10:01
